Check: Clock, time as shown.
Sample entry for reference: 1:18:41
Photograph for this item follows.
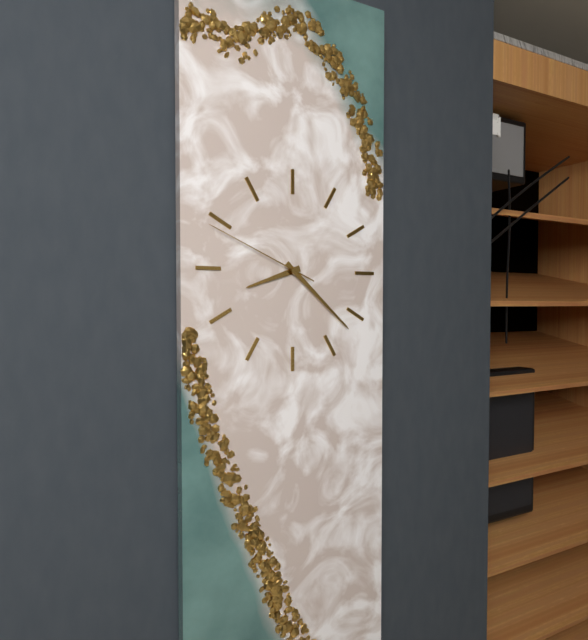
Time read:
8:22:49
